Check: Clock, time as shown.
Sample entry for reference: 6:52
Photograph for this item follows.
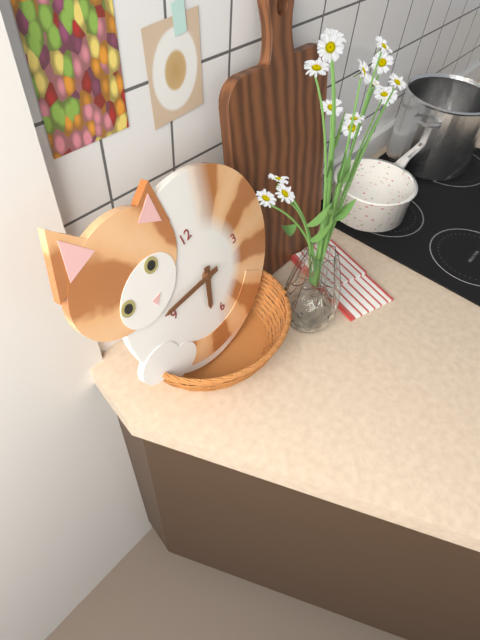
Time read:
6:47
